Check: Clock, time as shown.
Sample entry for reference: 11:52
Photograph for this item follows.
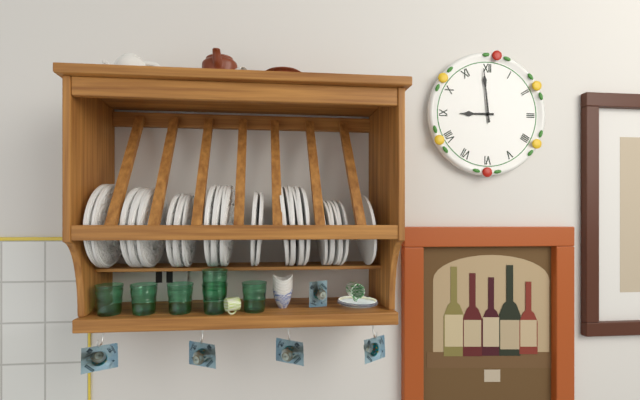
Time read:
8:59
